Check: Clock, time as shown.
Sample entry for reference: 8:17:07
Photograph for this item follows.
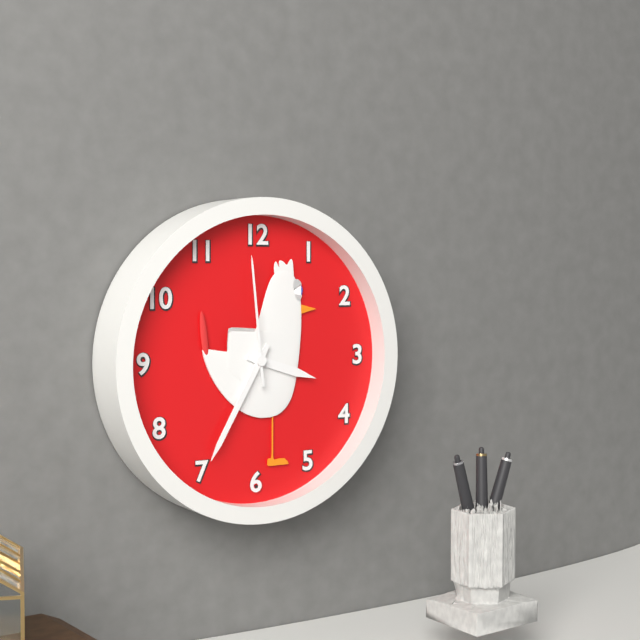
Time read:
3:35:59
